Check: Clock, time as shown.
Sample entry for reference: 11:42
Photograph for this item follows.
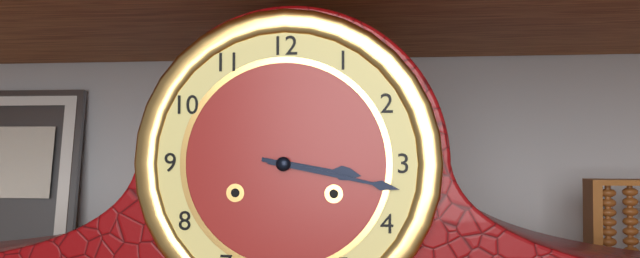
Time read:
3:17
